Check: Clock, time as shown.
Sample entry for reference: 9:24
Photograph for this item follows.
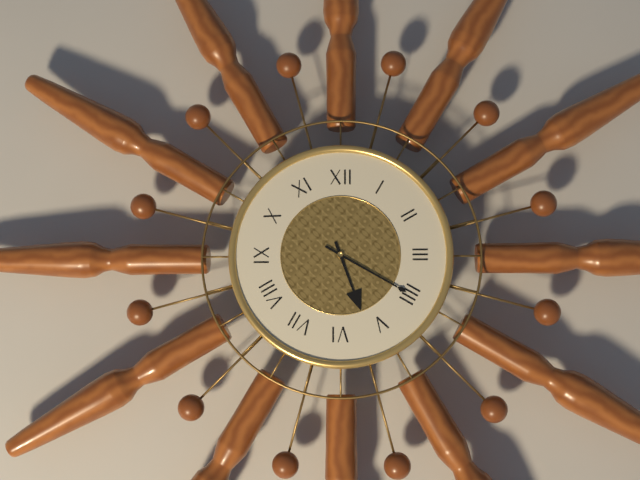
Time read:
5:20
